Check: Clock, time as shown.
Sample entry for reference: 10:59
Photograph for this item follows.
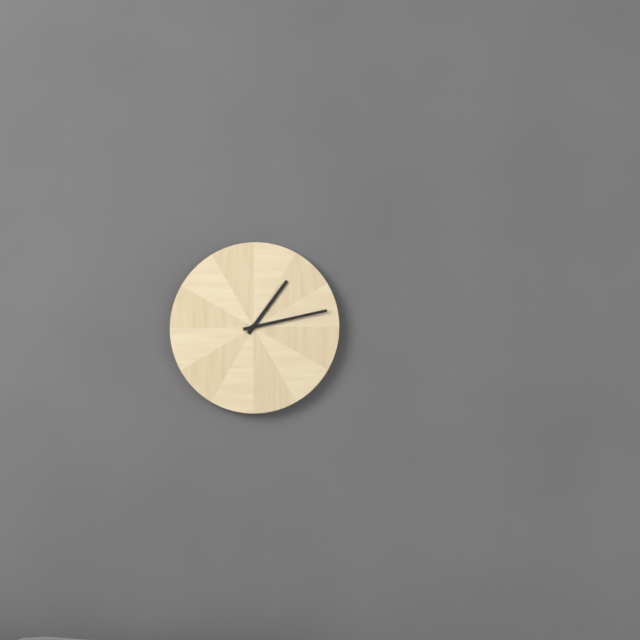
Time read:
1:13
